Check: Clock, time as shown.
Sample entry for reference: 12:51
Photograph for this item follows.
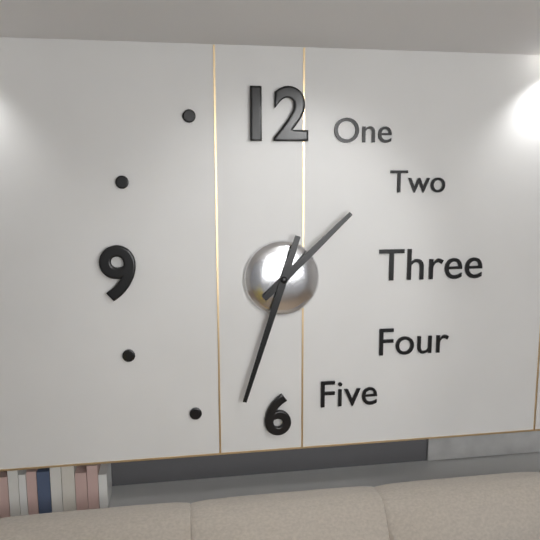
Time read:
1:33
